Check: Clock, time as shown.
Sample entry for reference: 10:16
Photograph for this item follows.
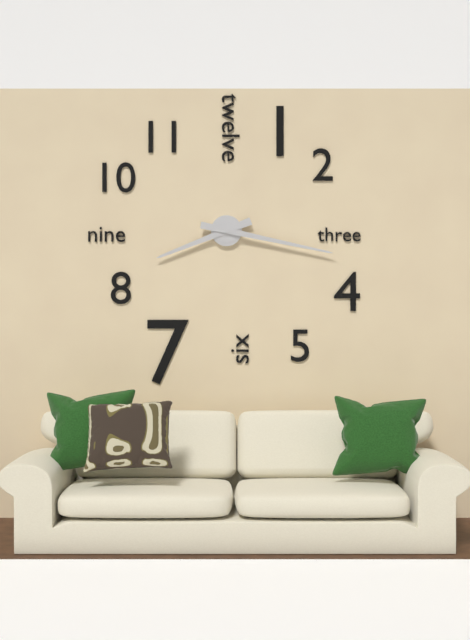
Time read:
8:17
